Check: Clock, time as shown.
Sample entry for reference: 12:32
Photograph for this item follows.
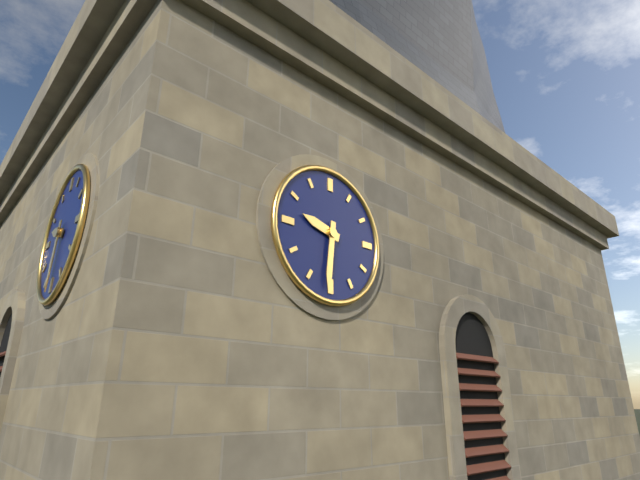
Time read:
9:31
